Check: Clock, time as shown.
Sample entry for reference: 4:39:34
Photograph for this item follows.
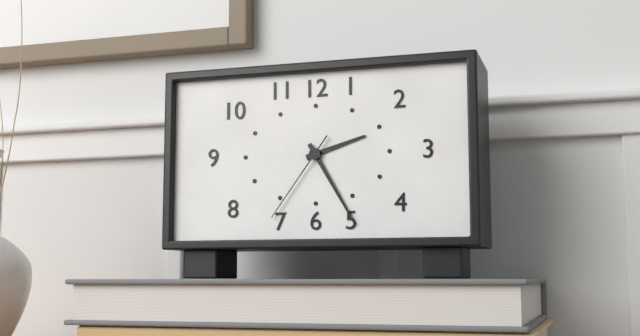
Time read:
2:25:36
